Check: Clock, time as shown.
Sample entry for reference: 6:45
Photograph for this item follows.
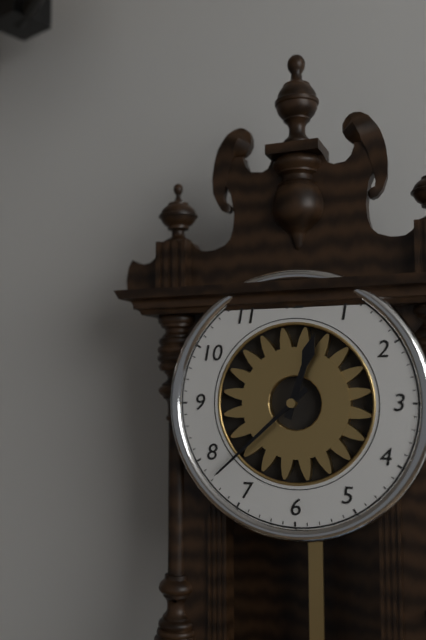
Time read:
12:38
